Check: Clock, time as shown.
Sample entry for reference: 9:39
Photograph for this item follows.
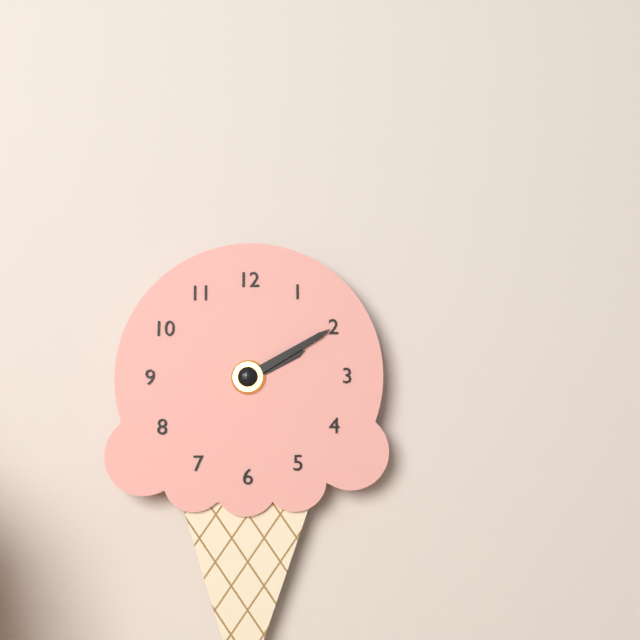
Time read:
2:10
